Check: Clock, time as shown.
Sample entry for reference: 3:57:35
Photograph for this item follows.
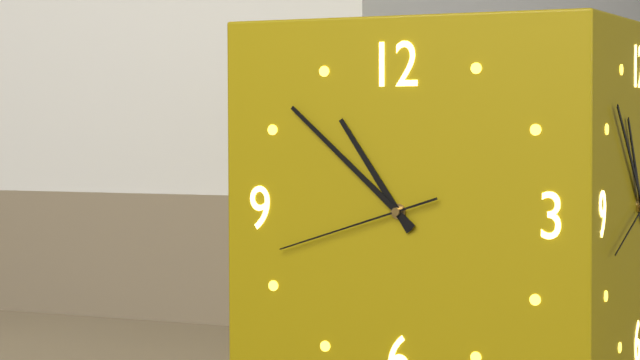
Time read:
10:52:42
